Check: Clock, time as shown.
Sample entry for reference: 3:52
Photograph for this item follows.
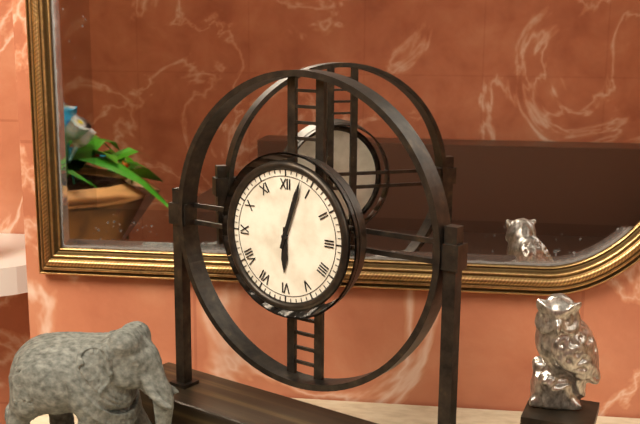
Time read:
6:03
